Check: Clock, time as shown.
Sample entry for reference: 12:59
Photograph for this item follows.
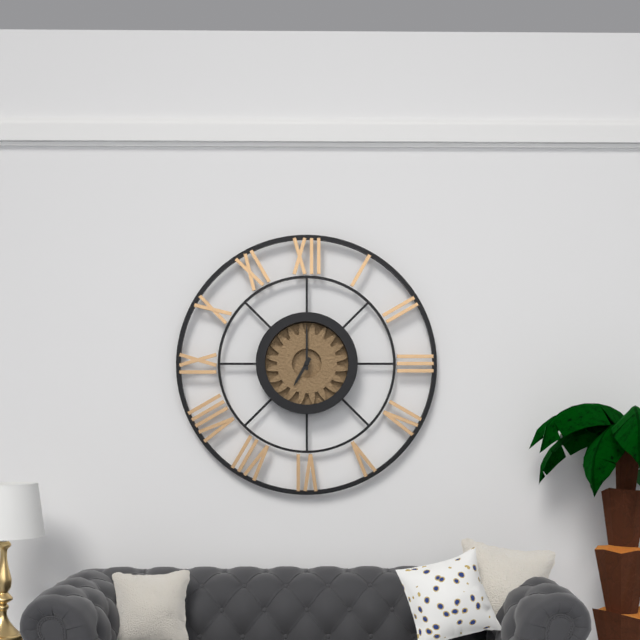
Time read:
7:00
